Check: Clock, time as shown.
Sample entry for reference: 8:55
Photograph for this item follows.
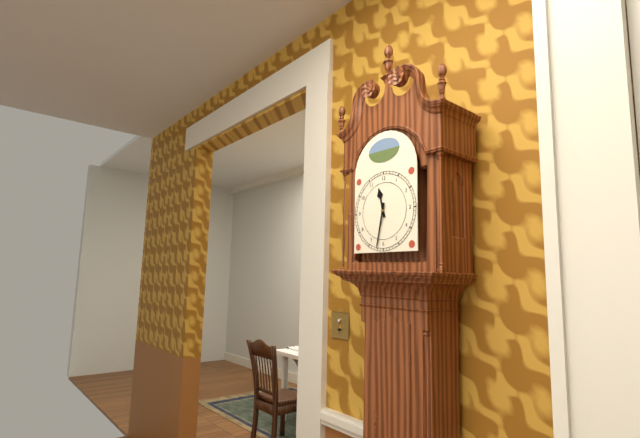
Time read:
11:32
